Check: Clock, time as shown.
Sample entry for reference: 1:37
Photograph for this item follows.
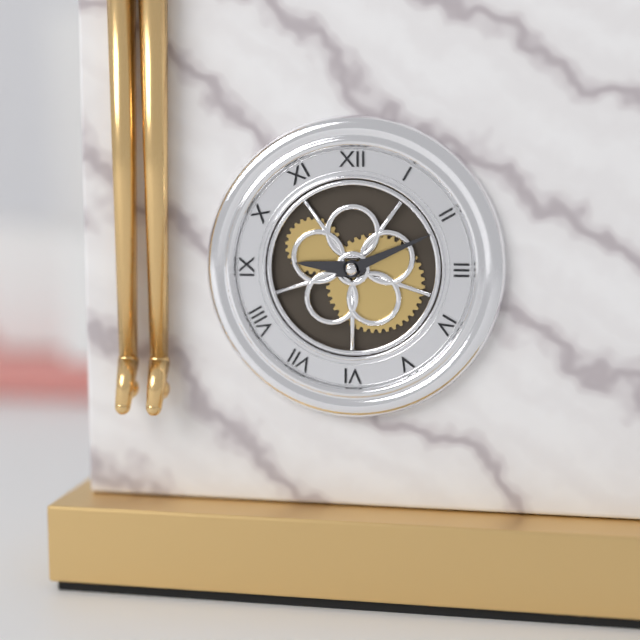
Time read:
9:11
